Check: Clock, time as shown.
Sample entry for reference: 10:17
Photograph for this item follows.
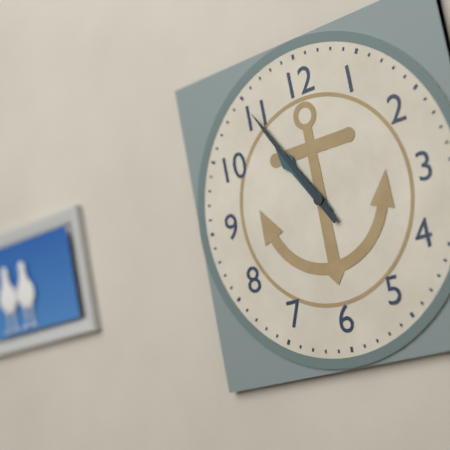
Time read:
10:55
